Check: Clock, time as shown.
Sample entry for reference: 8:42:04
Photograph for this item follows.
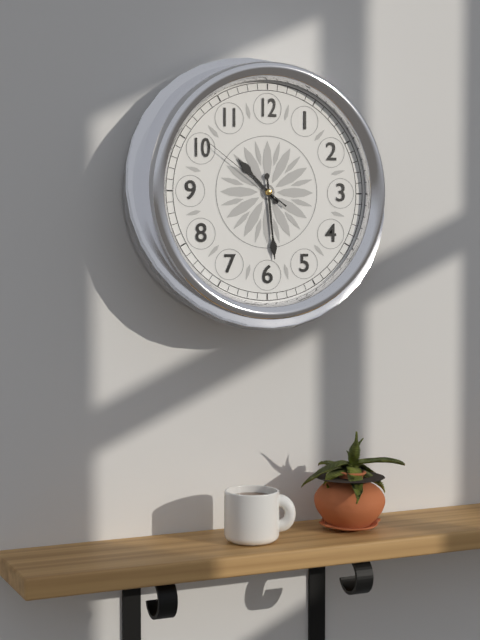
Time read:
10:29:51
